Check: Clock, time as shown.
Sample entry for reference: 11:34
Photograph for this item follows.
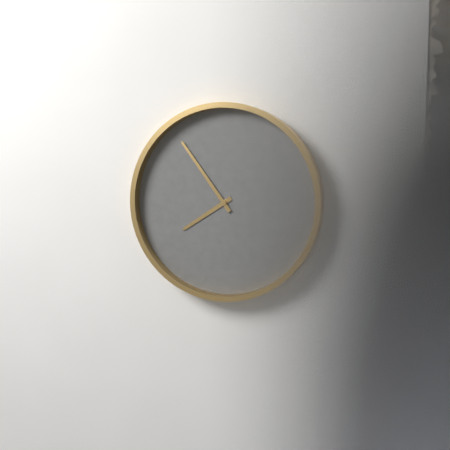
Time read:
7:54
